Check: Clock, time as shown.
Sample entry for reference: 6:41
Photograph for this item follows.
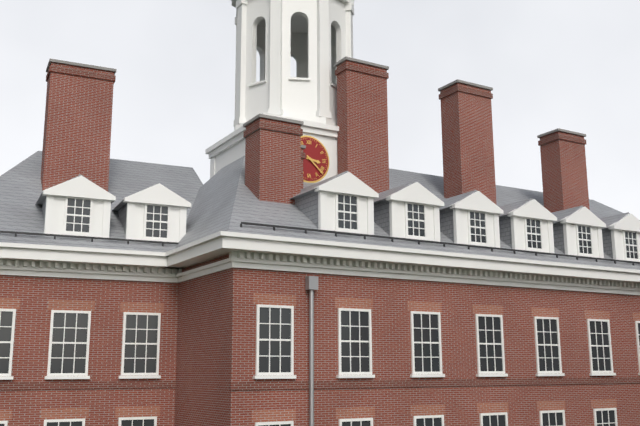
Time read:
3:22
